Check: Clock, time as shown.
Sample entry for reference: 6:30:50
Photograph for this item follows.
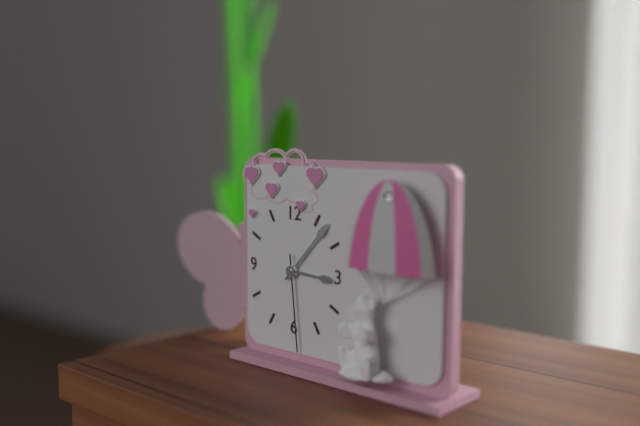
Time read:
3:07:29
